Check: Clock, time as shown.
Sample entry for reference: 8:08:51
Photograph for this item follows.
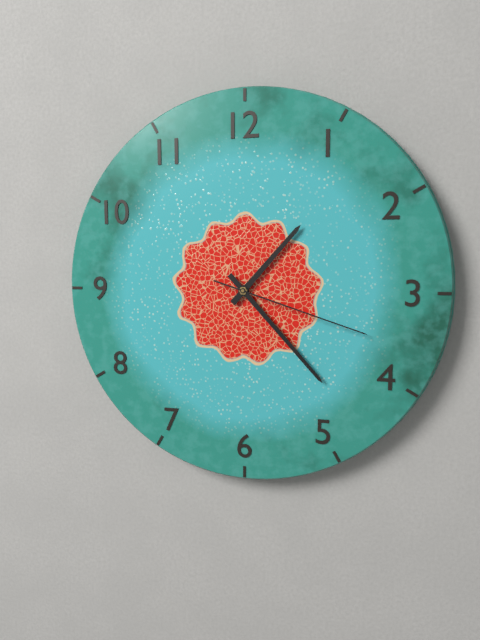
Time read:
1:23:18
